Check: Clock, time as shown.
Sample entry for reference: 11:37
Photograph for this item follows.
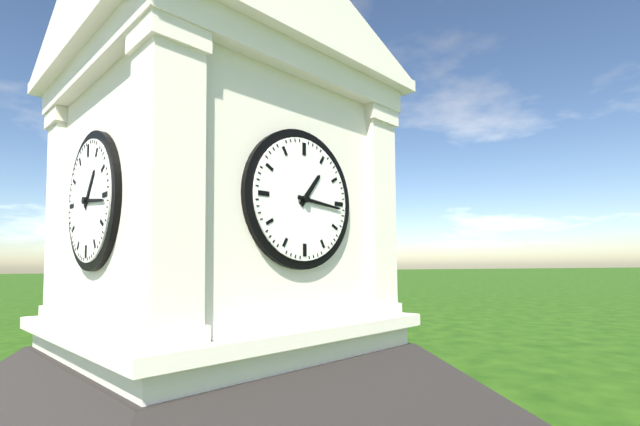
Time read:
1:16
